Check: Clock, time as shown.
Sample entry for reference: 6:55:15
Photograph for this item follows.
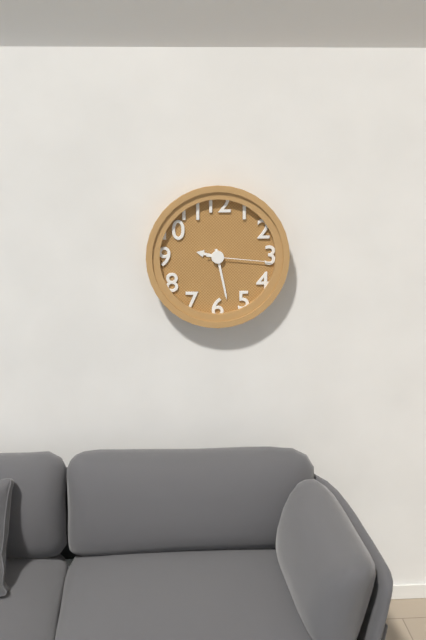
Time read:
9:28:16
